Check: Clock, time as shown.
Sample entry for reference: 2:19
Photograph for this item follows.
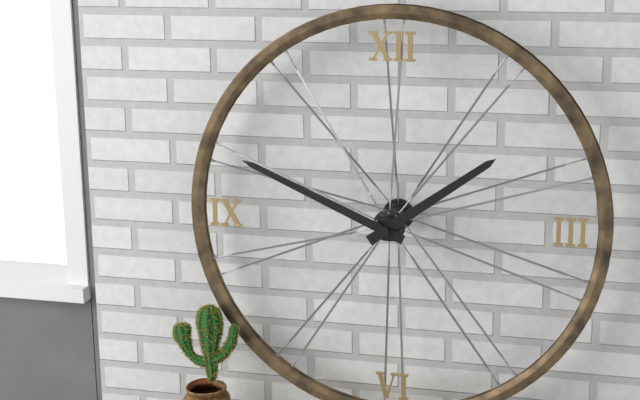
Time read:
1:49
